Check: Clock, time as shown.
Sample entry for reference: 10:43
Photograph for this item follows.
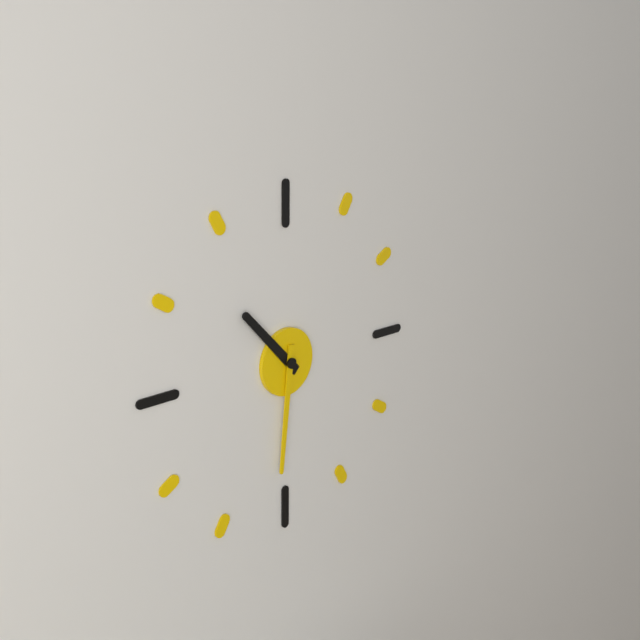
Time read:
10:31
